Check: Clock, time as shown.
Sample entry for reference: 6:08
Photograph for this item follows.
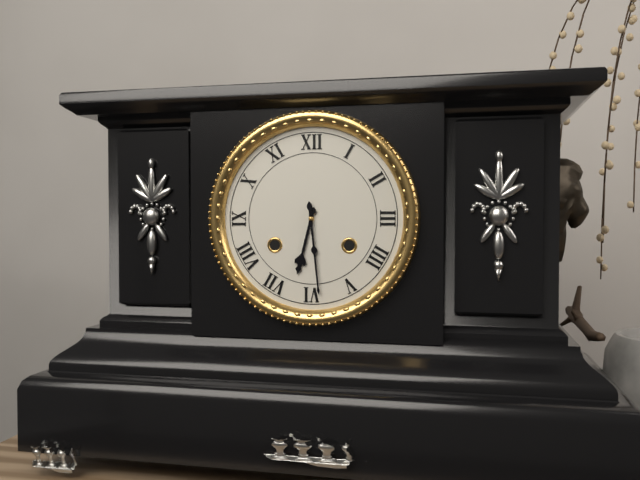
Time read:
6:29
